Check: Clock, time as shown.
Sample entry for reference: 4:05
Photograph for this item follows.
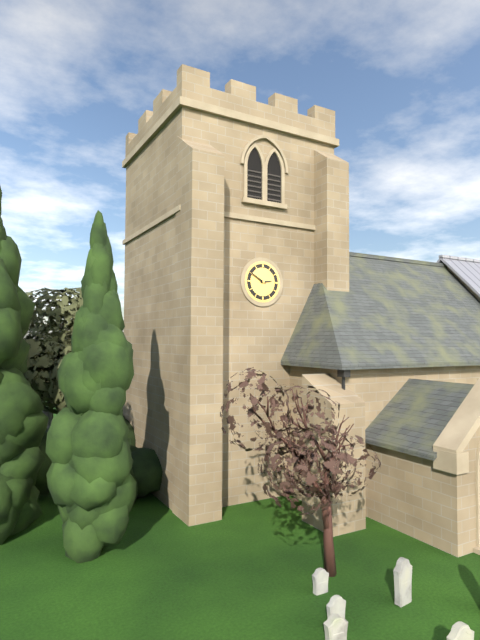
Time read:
2:50
